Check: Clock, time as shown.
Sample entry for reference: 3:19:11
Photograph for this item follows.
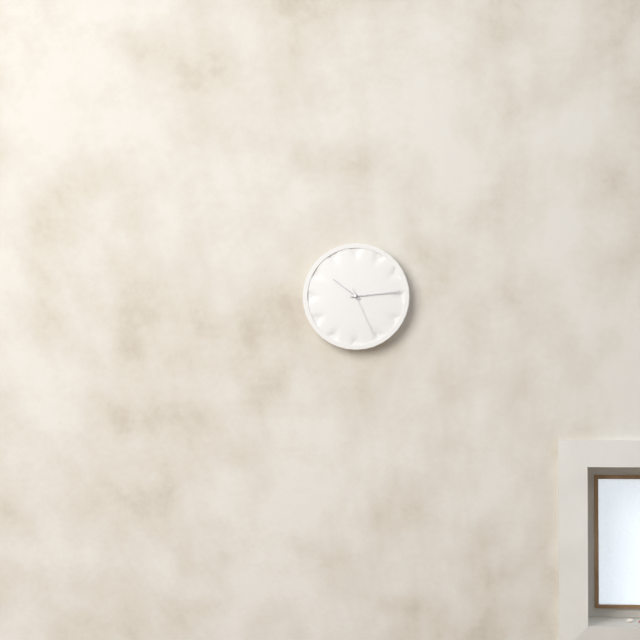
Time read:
10:14:26
